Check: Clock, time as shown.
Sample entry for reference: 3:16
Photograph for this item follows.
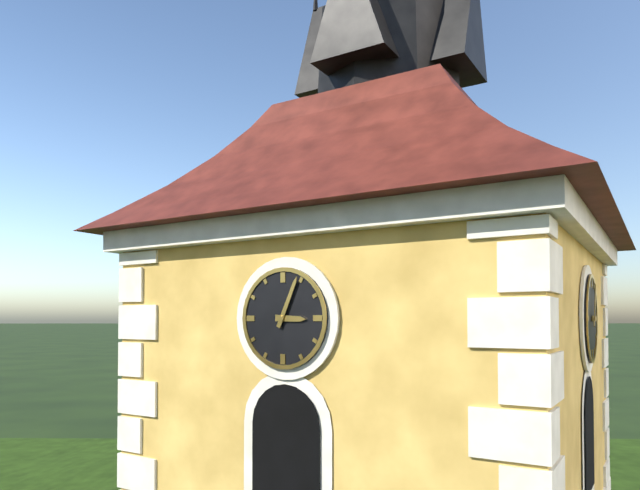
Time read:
3:04
